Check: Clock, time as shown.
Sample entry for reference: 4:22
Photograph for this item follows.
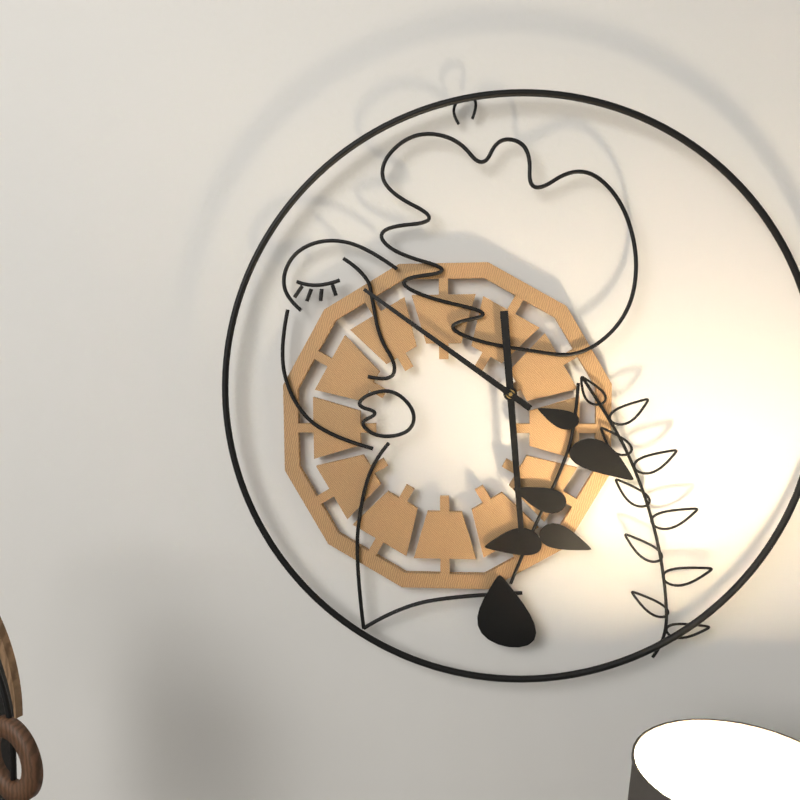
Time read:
5:51
